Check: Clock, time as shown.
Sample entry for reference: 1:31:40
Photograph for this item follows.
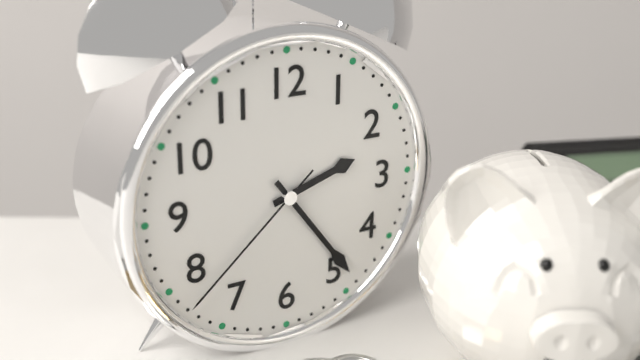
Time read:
2:24:38
